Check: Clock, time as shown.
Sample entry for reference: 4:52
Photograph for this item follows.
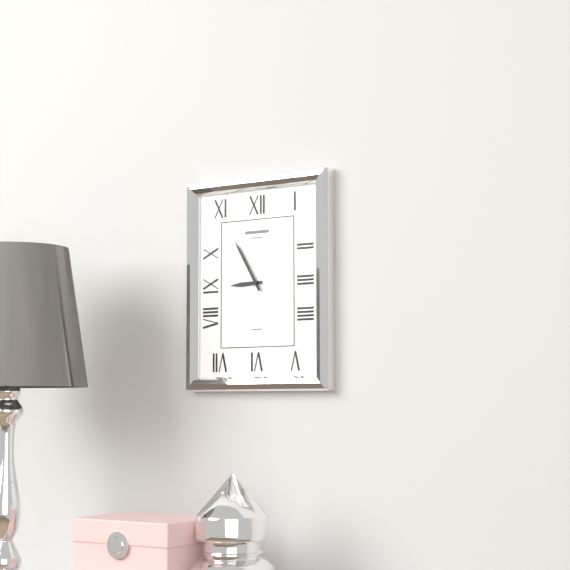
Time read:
8:55
